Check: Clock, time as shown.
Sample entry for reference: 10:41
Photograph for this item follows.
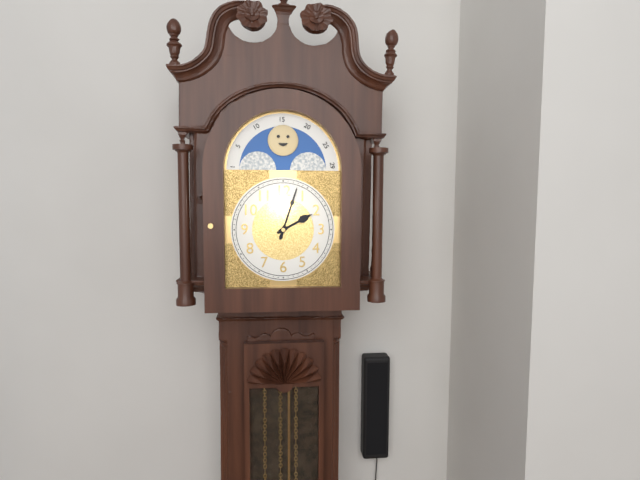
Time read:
2:03
